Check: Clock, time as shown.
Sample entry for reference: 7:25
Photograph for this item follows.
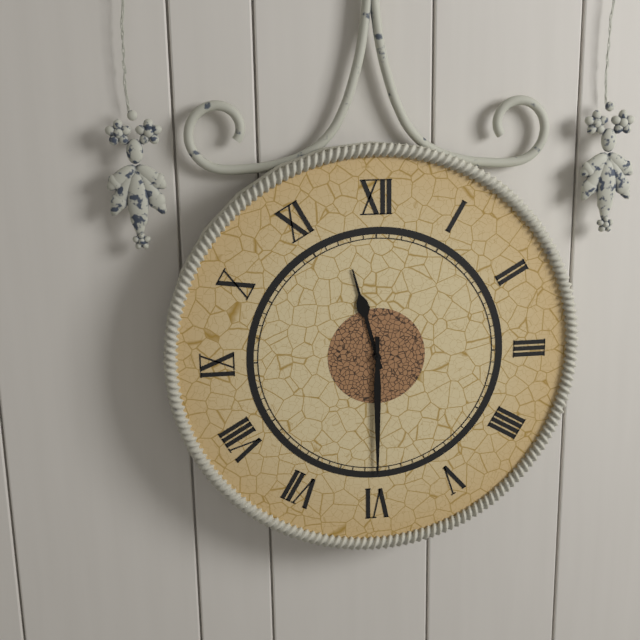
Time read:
11:30
